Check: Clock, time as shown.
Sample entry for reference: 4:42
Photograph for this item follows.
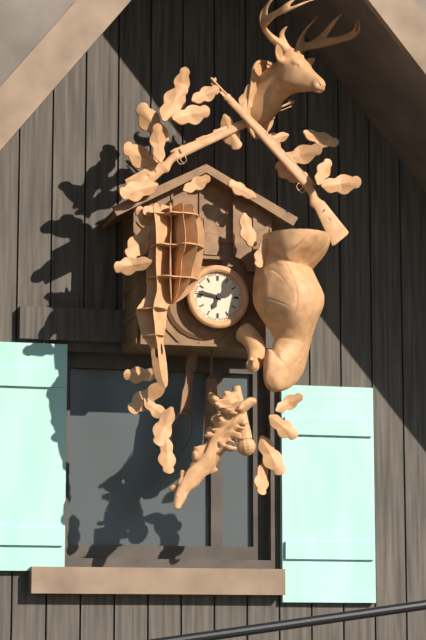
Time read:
6:47
